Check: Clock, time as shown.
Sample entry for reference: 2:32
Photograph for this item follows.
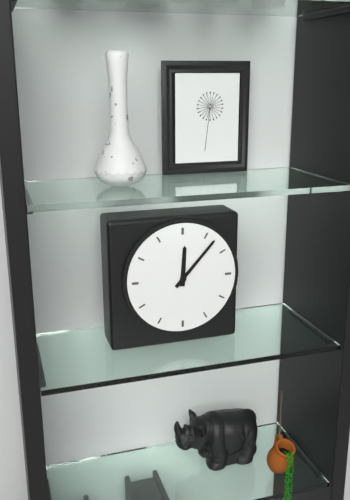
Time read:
12:07
